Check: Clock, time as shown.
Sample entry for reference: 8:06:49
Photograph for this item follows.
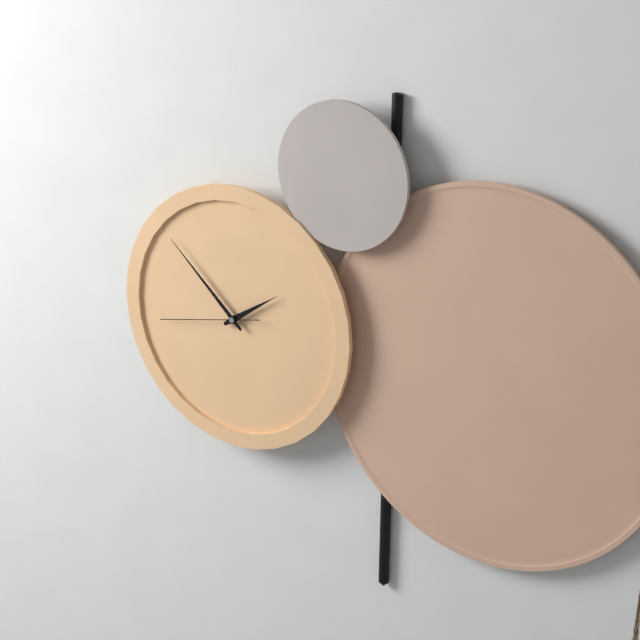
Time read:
1:52:43
